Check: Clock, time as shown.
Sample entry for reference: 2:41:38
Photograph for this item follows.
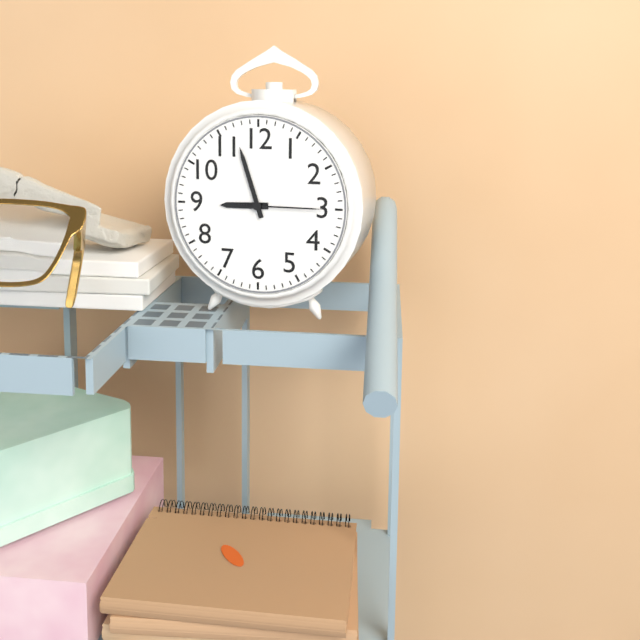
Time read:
8:57:15
